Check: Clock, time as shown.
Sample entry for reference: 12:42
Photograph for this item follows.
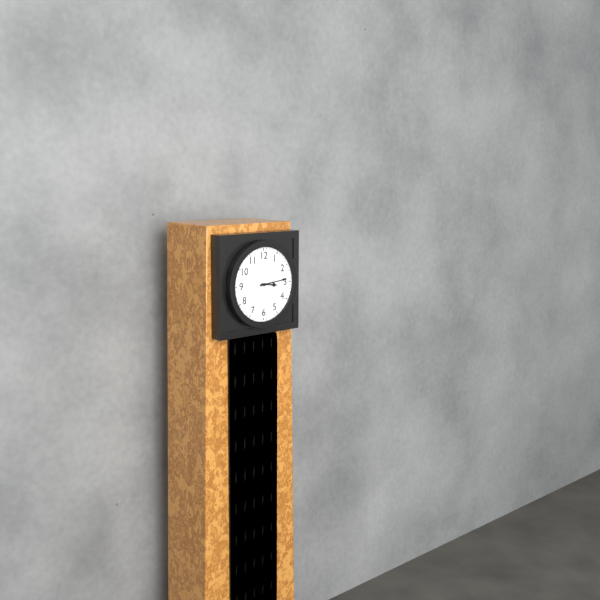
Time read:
3:14
